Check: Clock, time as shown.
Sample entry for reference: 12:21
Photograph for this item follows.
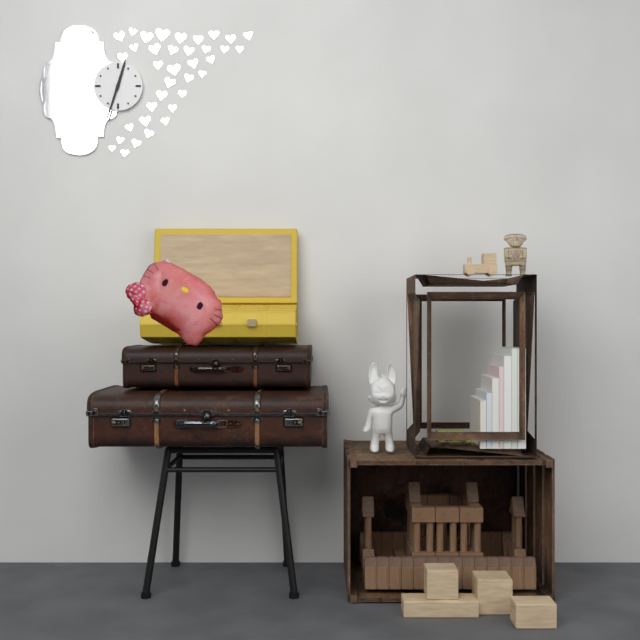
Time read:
12:33
